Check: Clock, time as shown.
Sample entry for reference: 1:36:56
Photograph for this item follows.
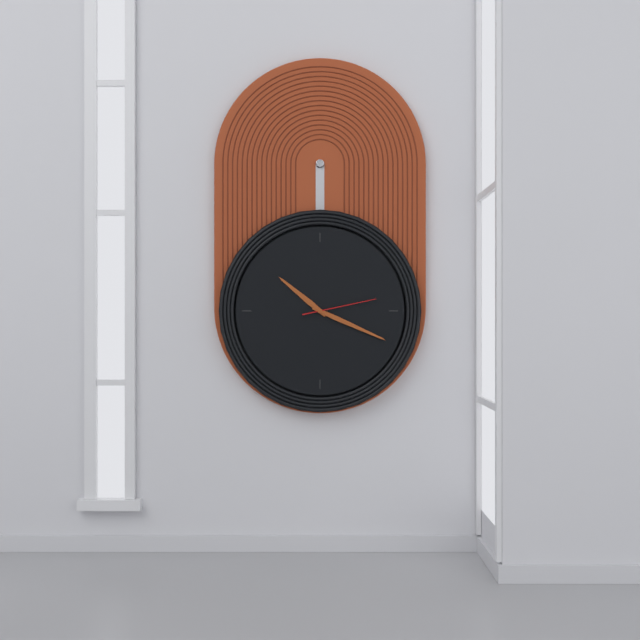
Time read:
10:19:13
